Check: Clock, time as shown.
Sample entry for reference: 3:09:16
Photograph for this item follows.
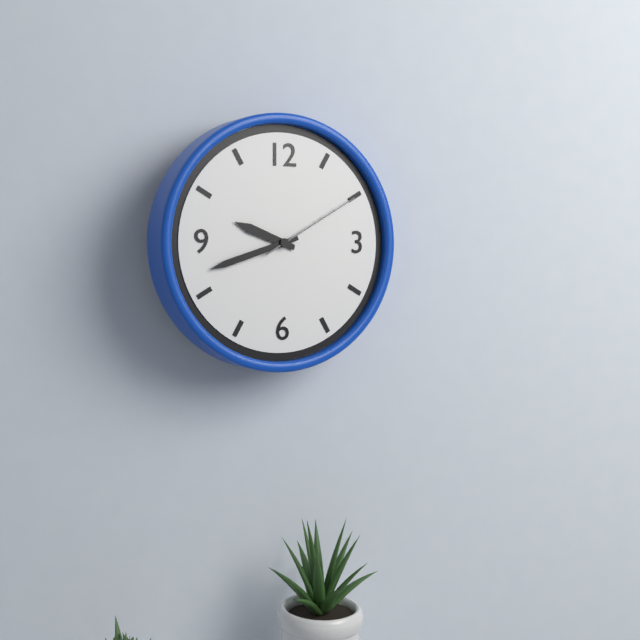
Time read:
9:42:10
